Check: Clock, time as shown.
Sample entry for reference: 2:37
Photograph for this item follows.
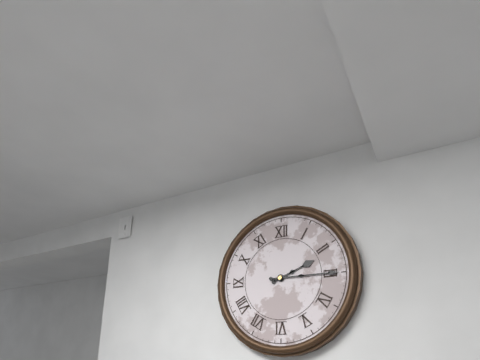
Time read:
2:15
